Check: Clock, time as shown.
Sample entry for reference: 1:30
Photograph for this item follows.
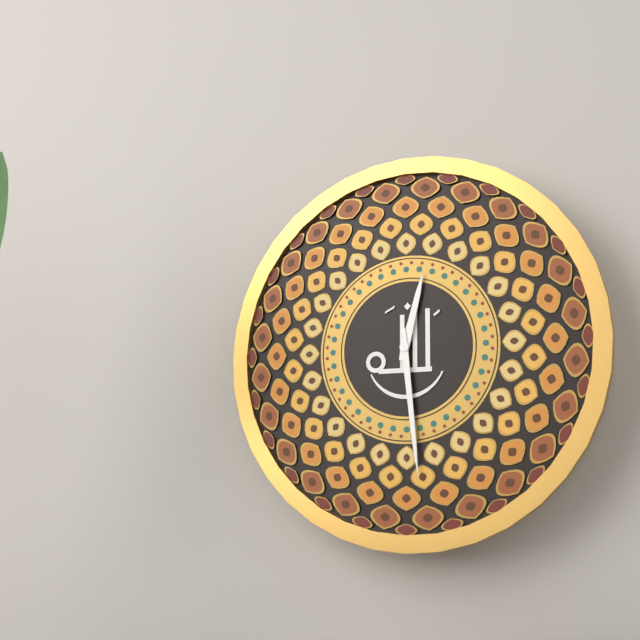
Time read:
12:29
